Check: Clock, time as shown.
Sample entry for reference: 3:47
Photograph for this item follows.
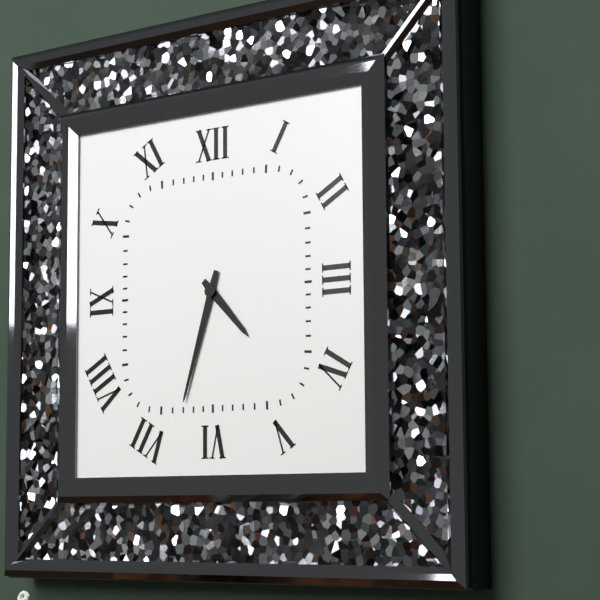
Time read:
4:33
